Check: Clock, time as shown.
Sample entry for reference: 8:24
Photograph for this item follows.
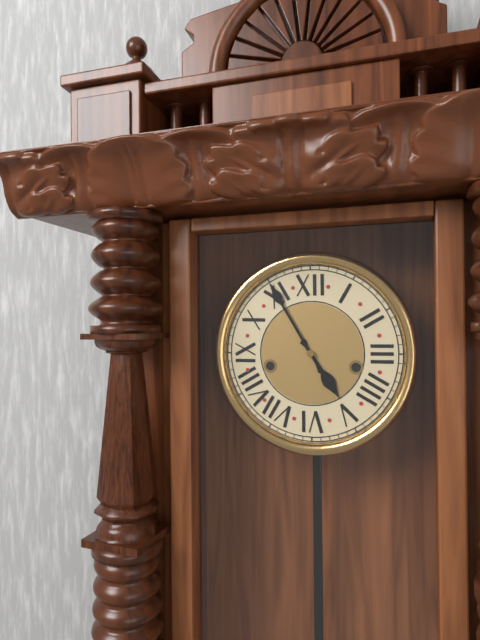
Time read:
4:55
